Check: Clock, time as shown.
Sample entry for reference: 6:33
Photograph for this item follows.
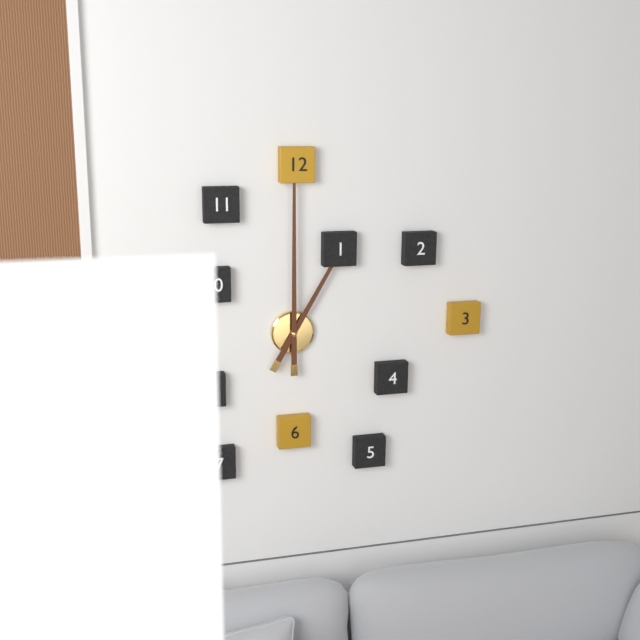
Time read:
1:00
